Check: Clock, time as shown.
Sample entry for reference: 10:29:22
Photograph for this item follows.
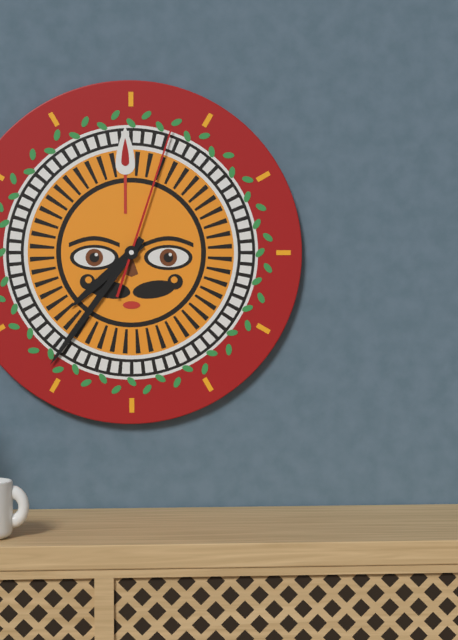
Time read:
7:36:03
